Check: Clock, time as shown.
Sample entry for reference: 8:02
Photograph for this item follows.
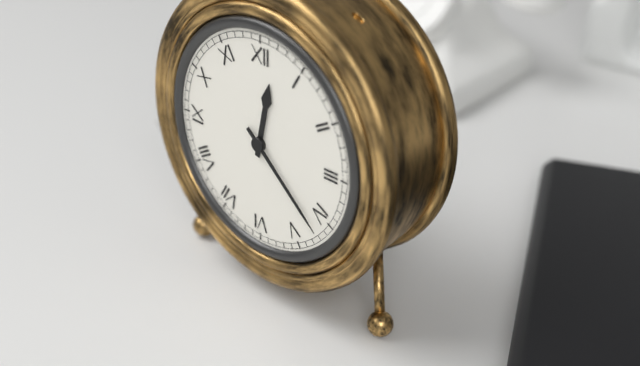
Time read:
12:22
